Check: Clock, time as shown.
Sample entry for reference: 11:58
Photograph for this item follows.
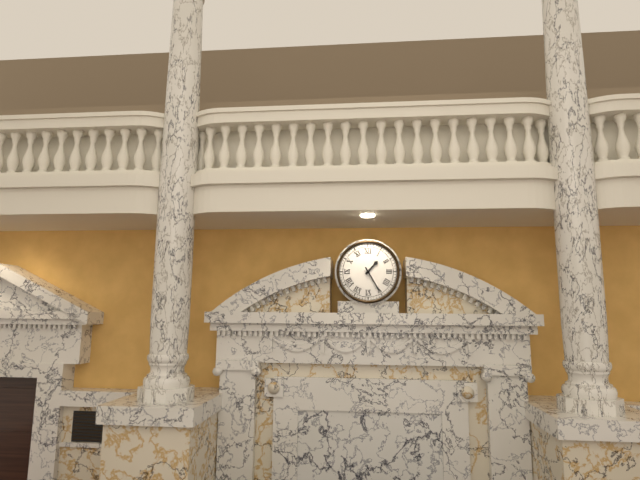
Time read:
1:25
